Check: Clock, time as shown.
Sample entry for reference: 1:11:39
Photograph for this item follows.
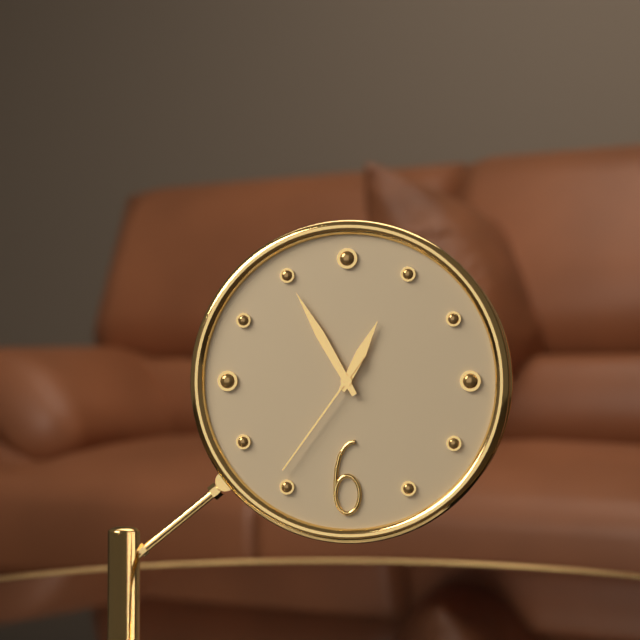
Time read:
12:55:36
